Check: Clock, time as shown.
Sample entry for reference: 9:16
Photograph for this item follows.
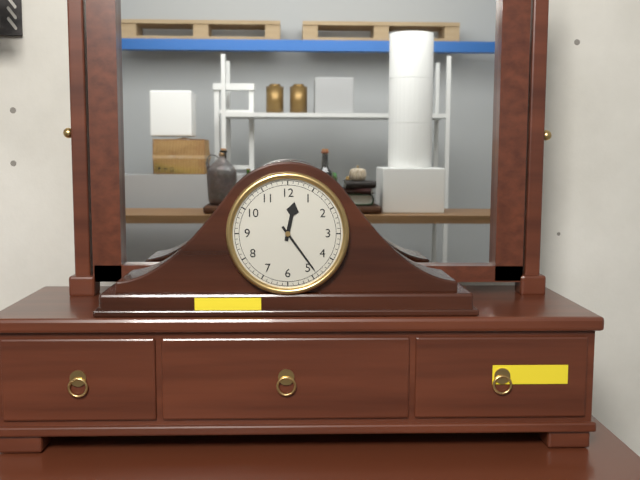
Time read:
12:24
